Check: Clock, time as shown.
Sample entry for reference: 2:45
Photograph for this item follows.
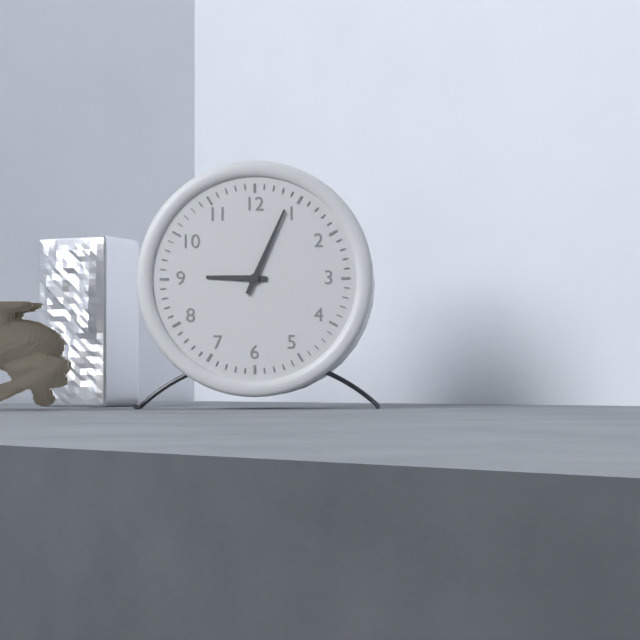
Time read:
9:04
